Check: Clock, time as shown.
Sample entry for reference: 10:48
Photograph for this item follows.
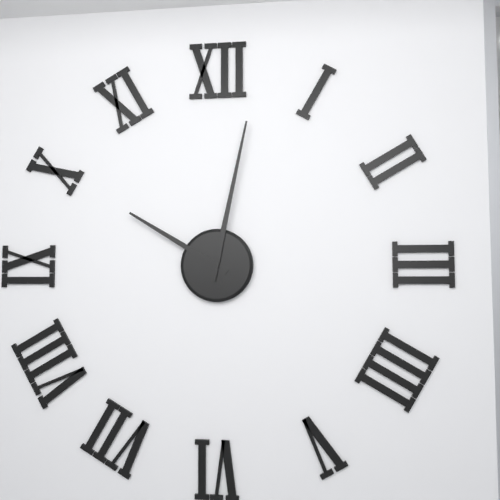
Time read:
10:02
